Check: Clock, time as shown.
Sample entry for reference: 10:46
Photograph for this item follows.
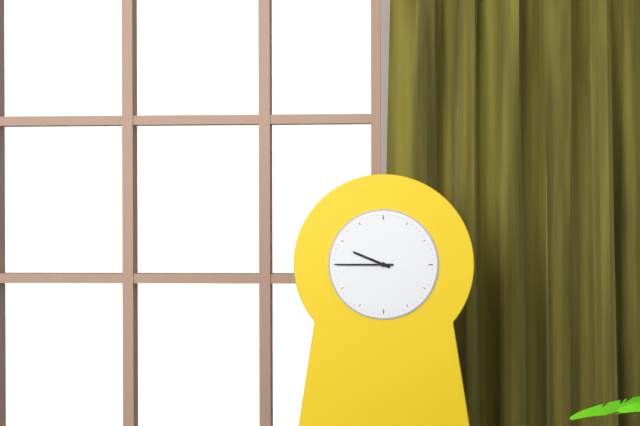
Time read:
9:45
